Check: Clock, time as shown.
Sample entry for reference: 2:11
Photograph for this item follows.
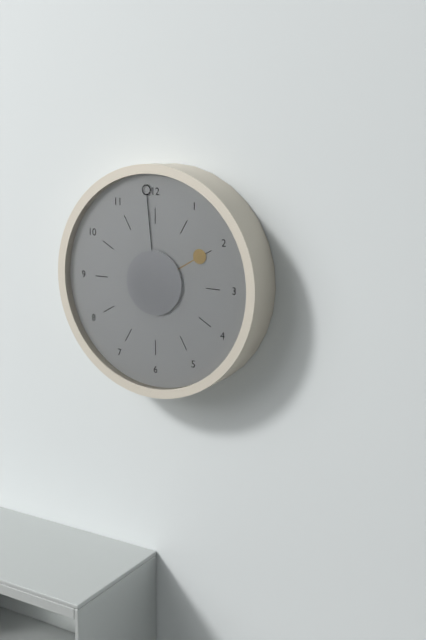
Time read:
1:59
